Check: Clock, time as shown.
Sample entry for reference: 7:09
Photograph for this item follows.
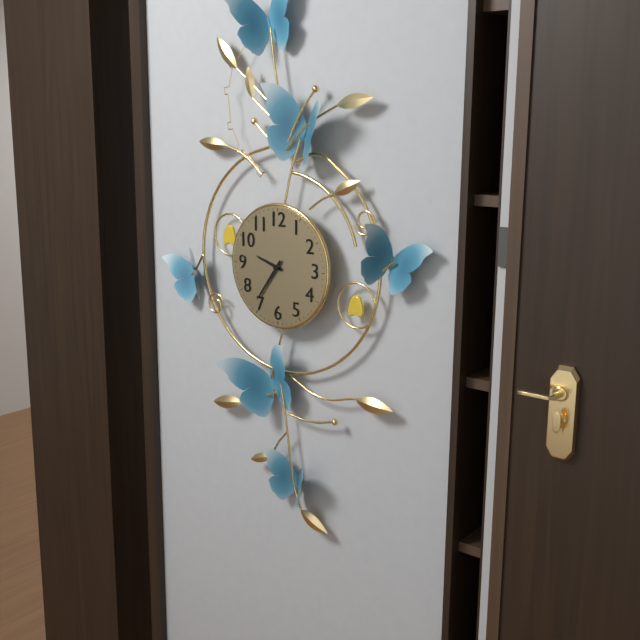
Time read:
9:36
